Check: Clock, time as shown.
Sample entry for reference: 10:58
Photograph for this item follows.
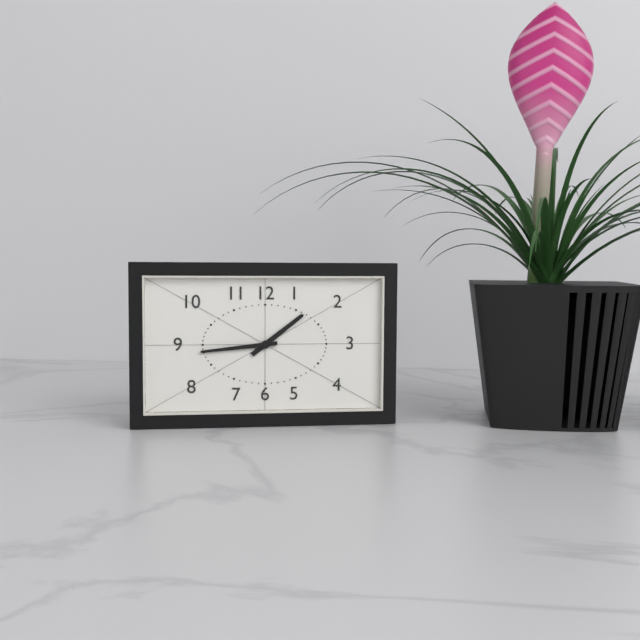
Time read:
1:44
